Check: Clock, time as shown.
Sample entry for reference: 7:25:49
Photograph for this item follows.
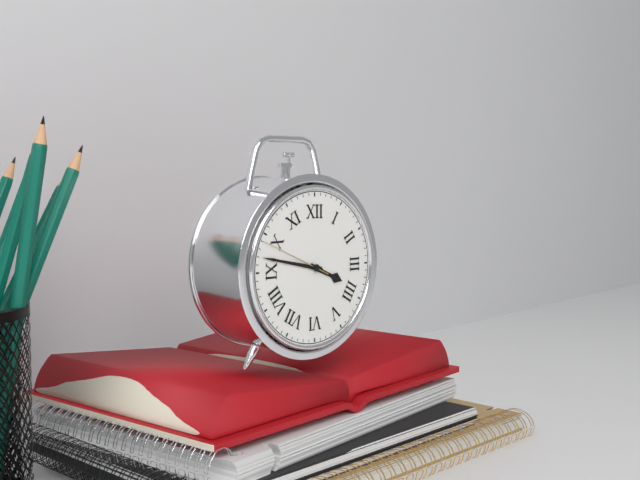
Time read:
3:47:49
